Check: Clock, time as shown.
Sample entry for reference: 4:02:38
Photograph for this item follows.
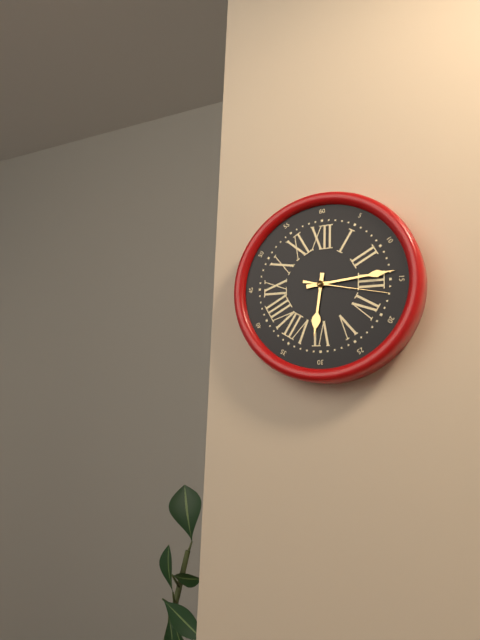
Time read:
6:14:17
